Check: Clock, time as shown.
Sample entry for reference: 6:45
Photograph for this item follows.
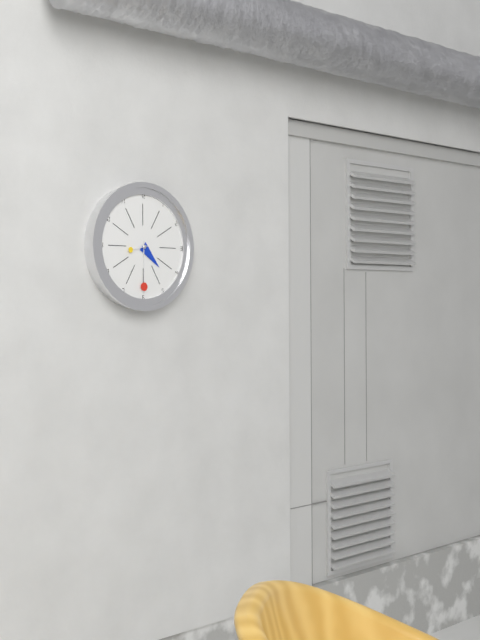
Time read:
4:30
